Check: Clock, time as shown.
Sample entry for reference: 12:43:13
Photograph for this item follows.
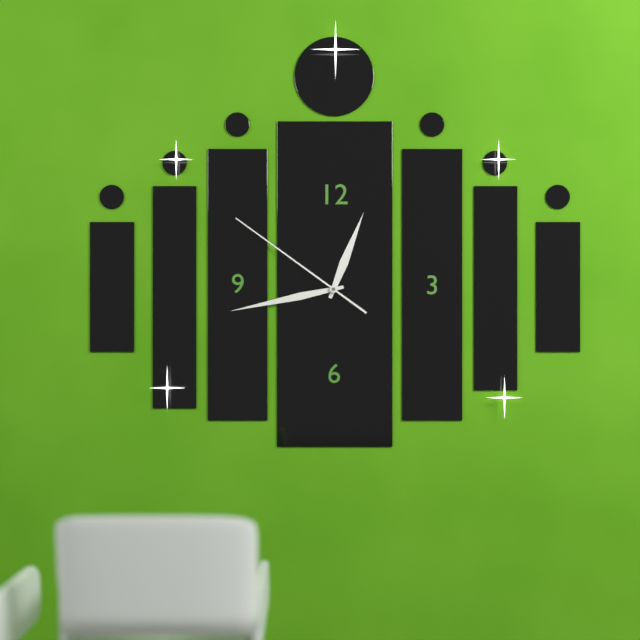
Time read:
12:43:51
